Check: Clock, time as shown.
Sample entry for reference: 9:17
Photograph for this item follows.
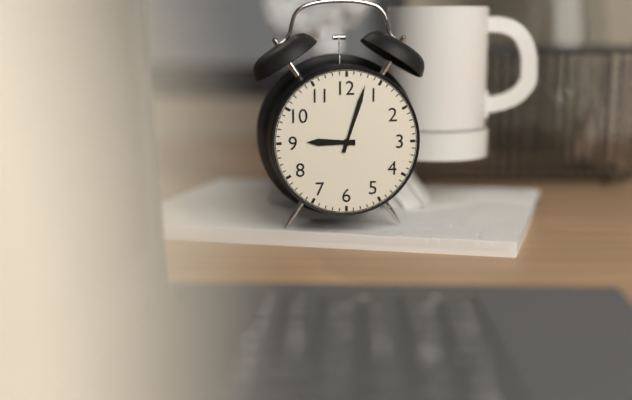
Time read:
9:03
